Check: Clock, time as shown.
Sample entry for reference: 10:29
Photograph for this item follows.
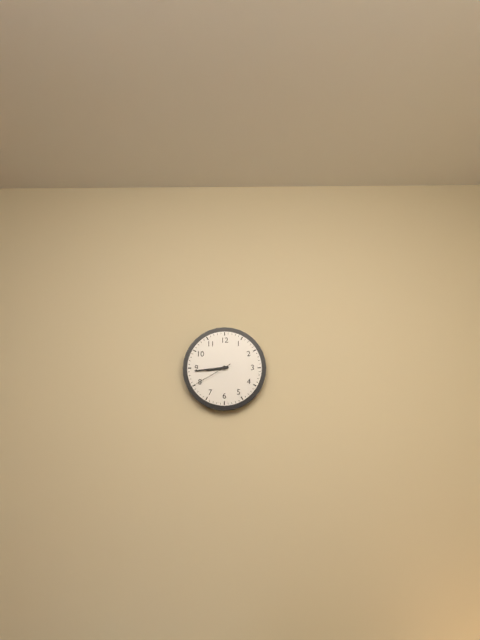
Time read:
8:44
